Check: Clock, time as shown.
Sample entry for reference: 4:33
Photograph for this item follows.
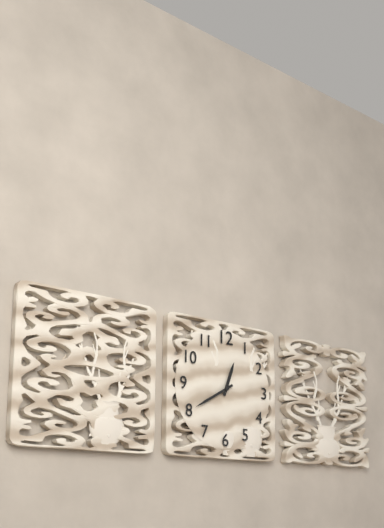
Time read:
12:40
